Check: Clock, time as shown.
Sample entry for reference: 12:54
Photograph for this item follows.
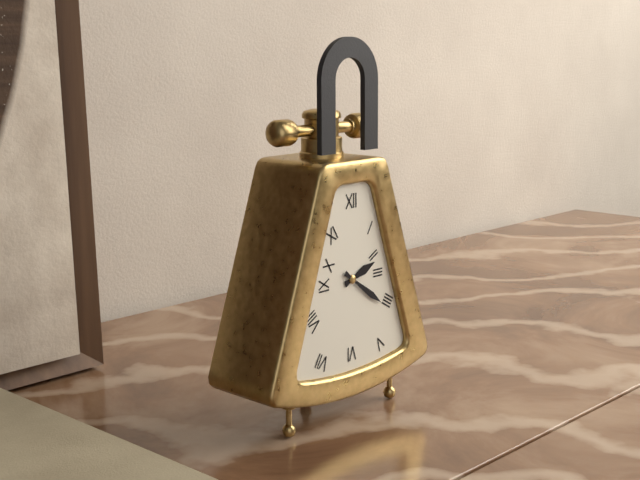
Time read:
2:21
